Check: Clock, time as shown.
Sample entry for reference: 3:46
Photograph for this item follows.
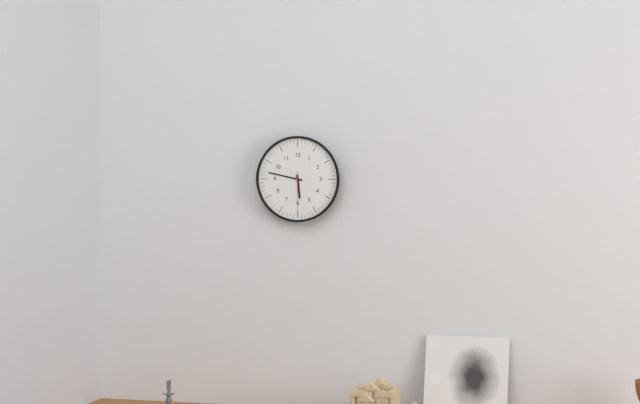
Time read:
5:47
